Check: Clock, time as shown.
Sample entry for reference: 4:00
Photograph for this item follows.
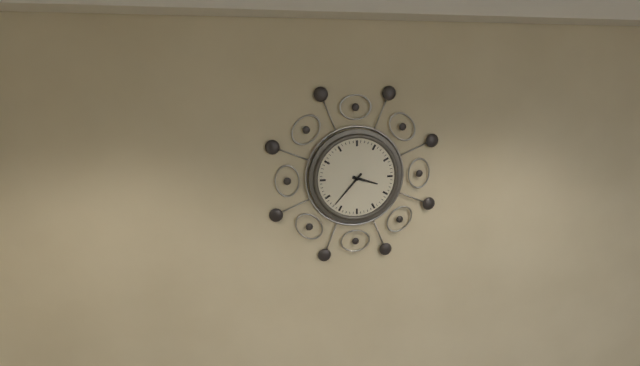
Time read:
3:37
